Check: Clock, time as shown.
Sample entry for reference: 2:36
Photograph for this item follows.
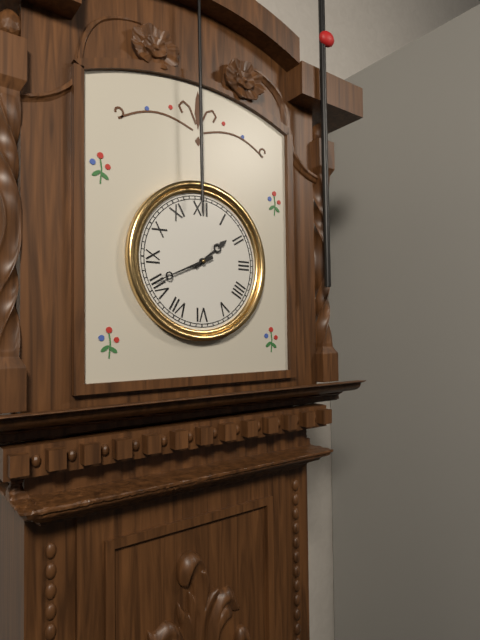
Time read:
1:41
